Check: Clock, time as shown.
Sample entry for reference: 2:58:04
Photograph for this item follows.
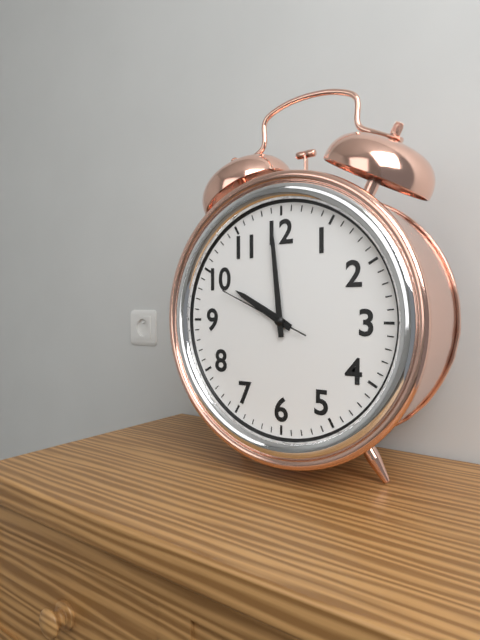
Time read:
9:59:49
